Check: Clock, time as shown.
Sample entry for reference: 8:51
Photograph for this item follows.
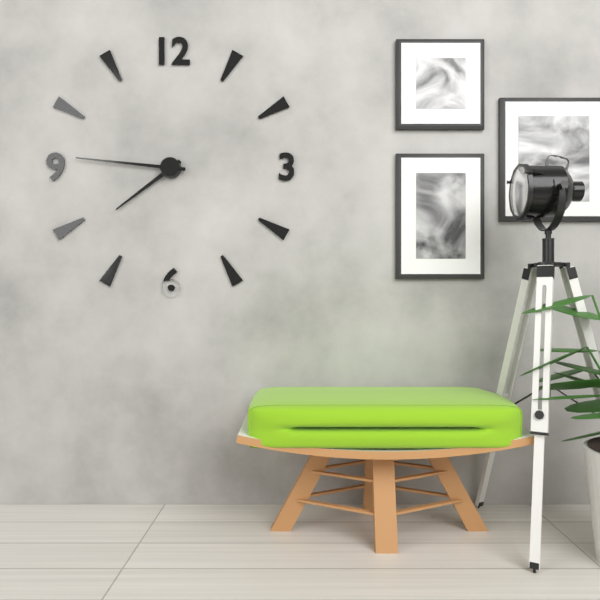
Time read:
7:46
